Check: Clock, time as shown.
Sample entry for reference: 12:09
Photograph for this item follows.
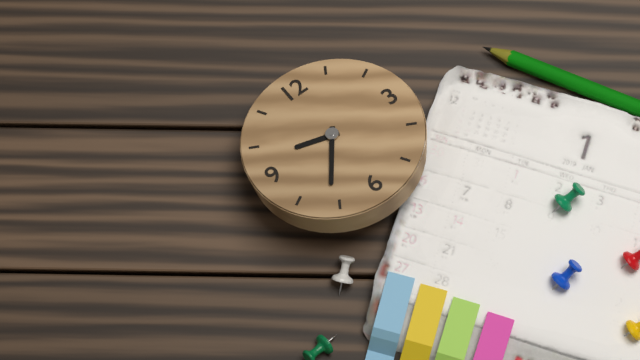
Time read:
9:36
